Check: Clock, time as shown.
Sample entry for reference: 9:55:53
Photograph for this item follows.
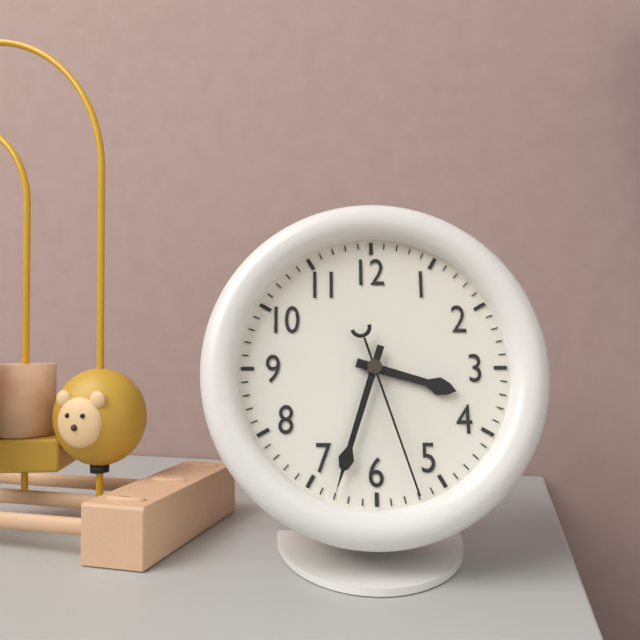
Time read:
3:33:27
